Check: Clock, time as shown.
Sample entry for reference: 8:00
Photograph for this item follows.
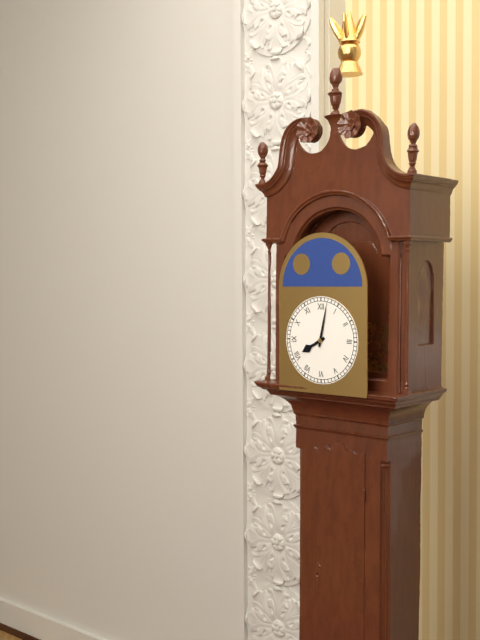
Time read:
8:02
